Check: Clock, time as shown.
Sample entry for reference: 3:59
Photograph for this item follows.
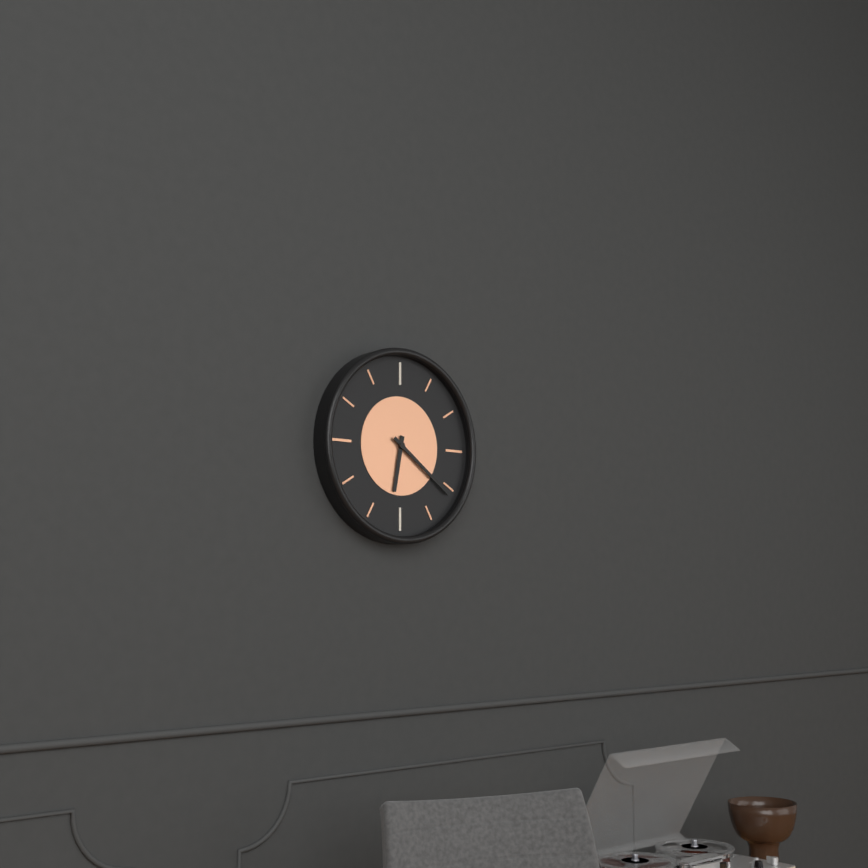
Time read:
6:21
